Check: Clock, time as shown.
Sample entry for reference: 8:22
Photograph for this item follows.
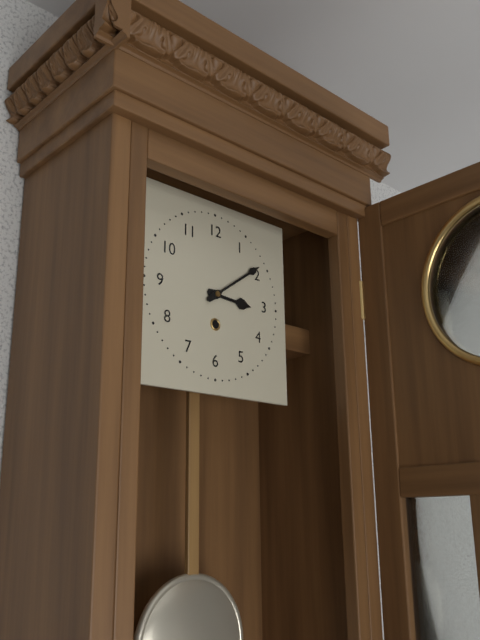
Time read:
3:09
